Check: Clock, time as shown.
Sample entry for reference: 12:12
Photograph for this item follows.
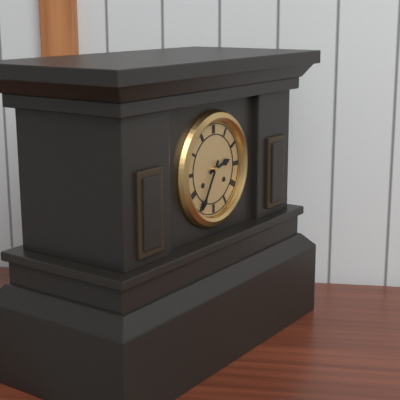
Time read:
2:35
